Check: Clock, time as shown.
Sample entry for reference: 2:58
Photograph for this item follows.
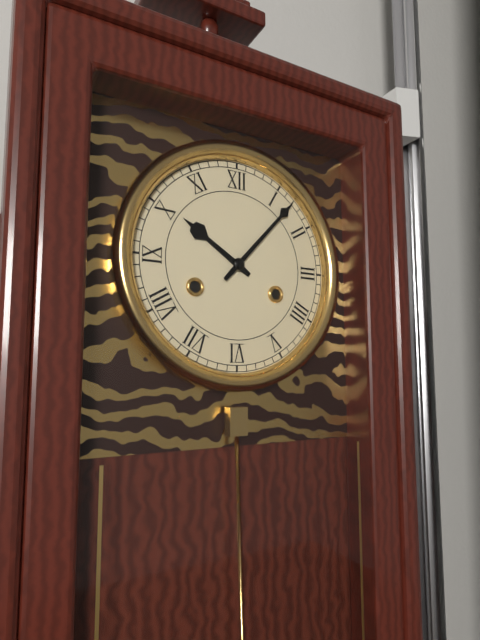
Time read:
10:07
